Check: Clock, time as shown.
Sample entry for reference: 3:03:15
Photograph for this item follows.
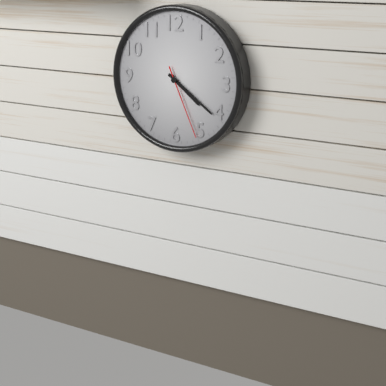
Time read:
4:21:26
